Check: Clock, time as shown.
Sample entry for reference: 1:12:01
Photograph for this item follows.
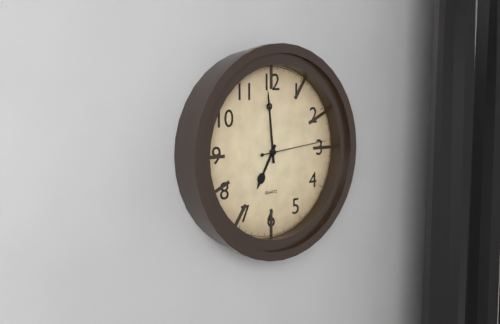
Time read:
6:59:14
